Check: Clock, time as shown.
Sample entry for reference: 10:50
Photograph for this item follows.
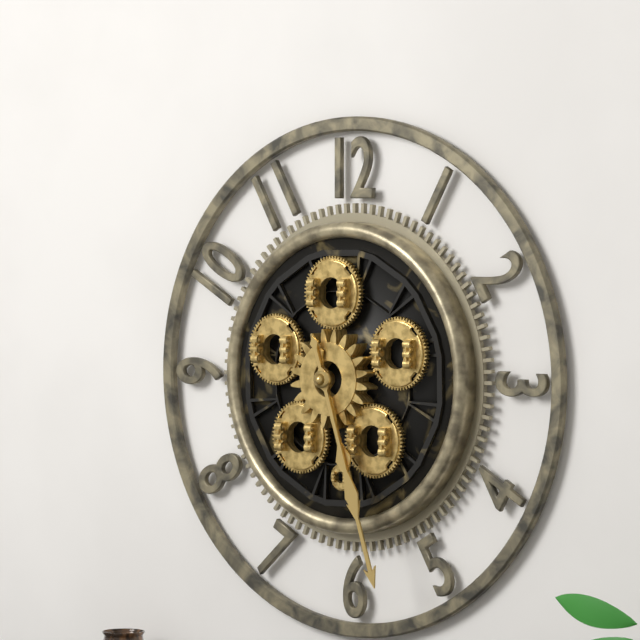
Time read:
5:27
